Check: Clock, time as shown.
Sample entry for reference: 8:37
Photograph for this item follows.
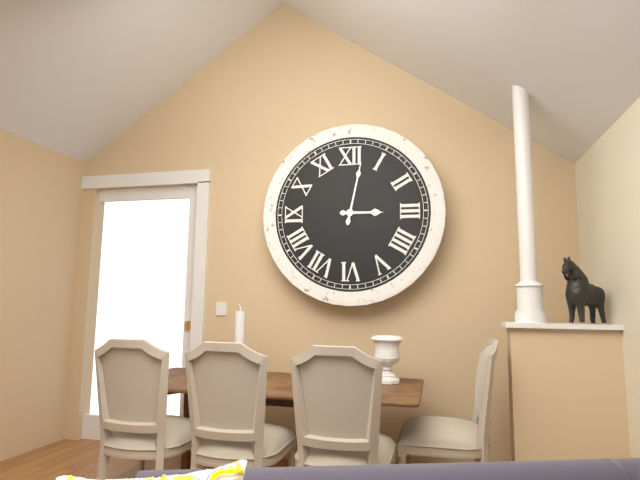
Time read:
3:02
